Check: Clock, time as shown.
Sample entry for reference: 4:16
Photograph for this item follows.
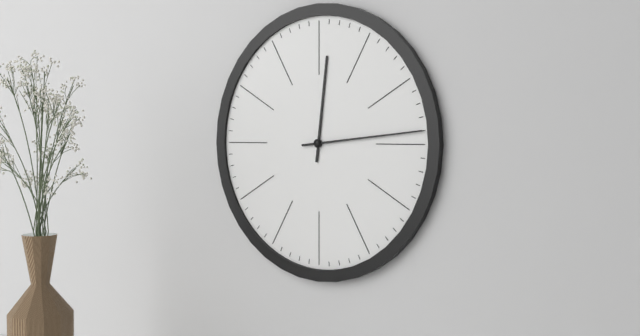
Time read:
12:14
